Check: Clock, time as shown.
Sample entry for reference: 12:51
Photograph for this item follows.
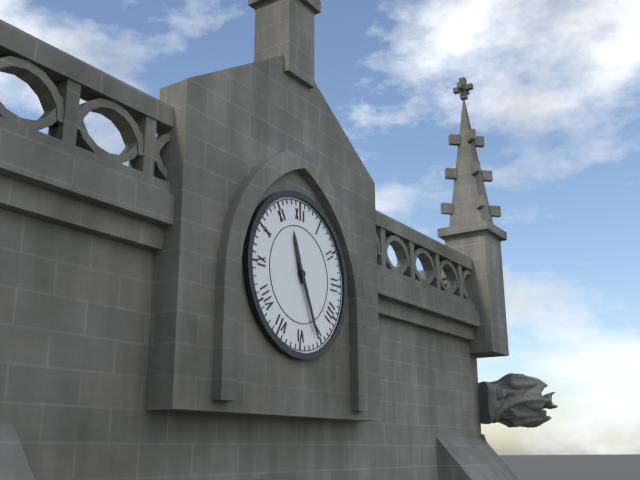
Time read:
11:26
